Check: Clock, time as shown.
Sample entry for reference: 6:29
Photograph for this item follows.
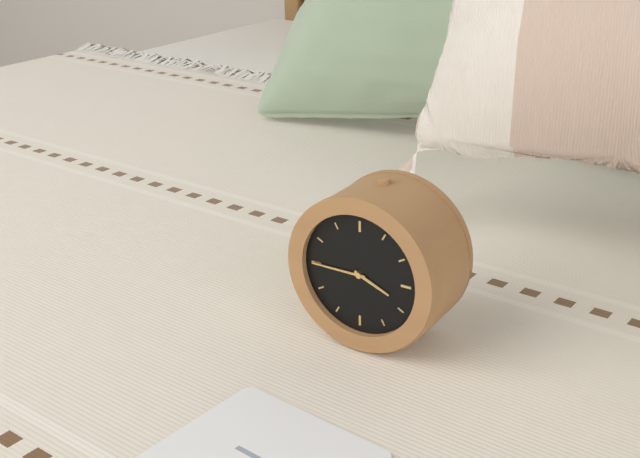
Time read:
3:45
